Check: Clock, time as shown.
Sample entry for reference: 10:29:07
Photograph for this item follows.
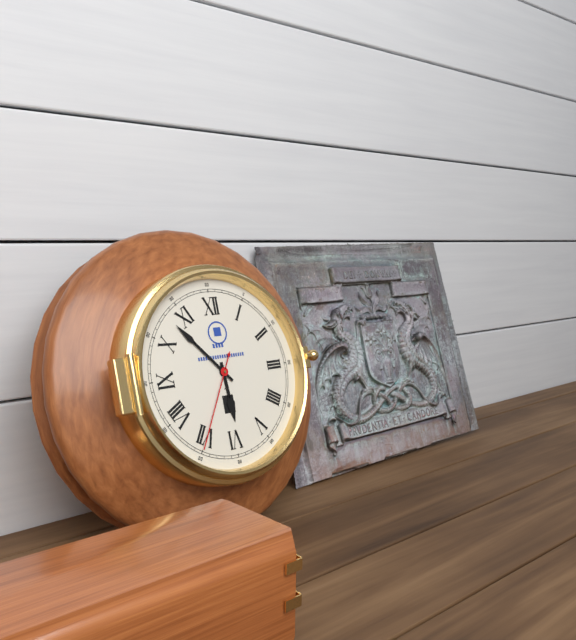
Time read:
5:53:35
